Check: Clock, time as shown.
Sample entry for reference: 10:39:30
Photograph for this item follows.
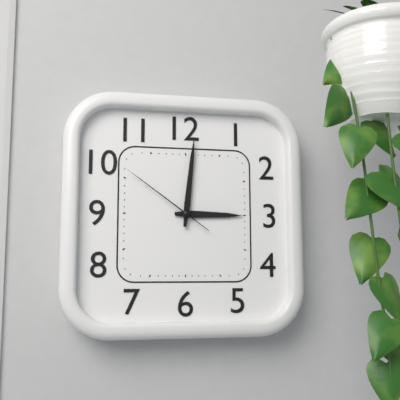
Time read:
3:01:51
